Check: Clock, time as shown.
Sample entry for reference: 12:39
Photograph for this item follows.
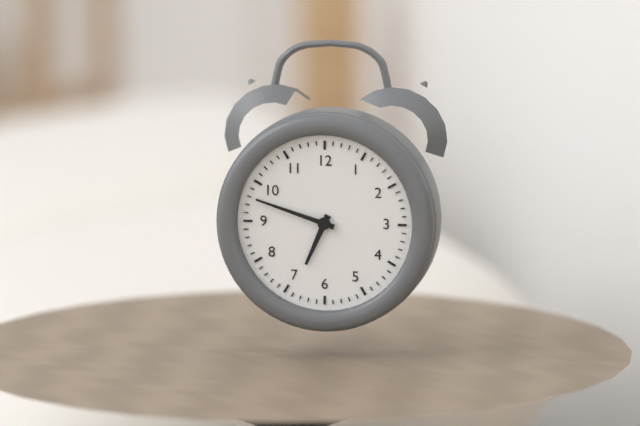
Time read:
6:48
